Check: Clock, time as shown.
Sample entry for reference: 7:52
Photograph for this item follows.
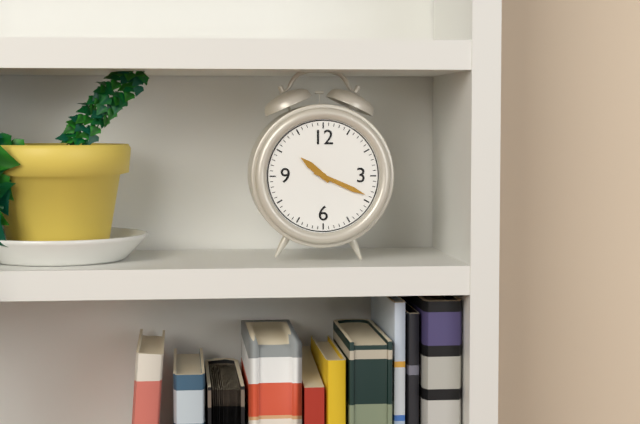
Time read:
10:19
